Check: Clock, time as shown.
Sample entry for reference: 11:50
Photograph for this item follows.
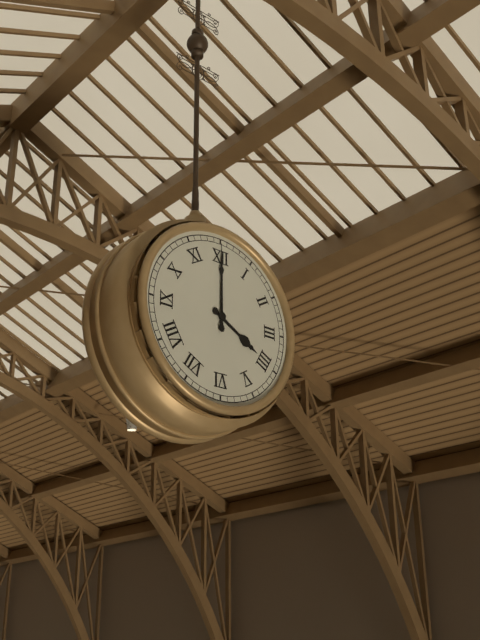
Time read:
4:00
